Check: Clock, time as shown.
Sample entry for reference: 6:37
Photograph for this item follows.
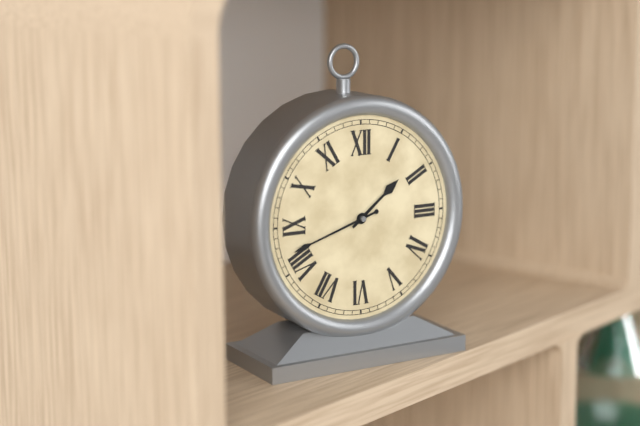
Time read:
1:42
